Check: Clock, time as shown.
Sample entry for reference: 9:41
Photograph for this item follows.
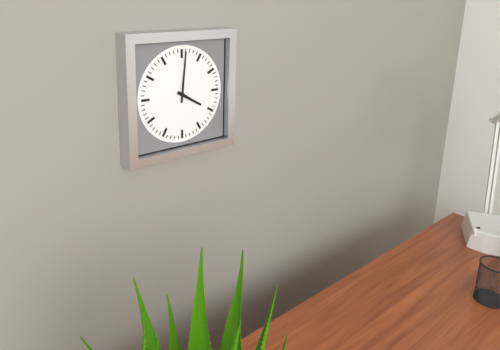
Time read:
4:01
